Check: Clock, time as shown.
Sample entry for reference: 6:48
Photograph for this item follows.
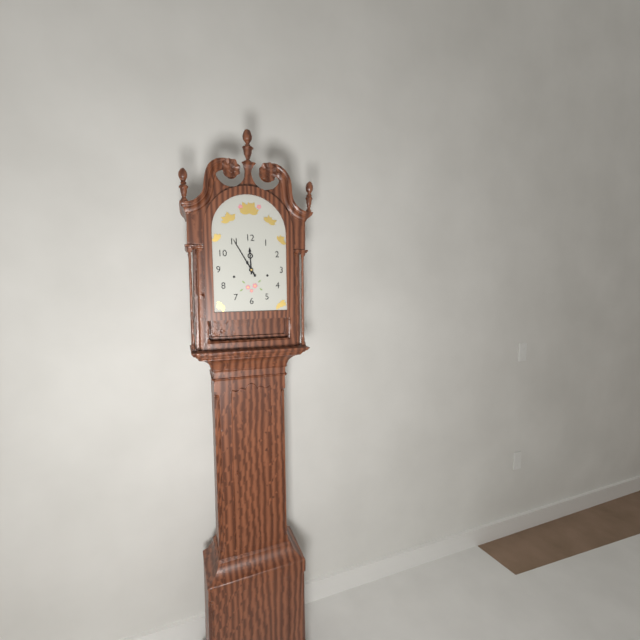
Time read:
11:55
